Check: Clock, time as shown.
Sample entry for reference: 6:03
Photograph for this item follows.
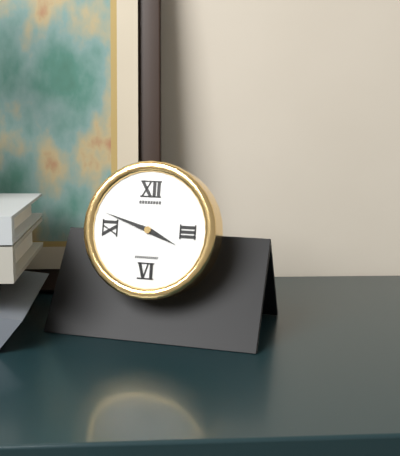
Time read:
3:48
